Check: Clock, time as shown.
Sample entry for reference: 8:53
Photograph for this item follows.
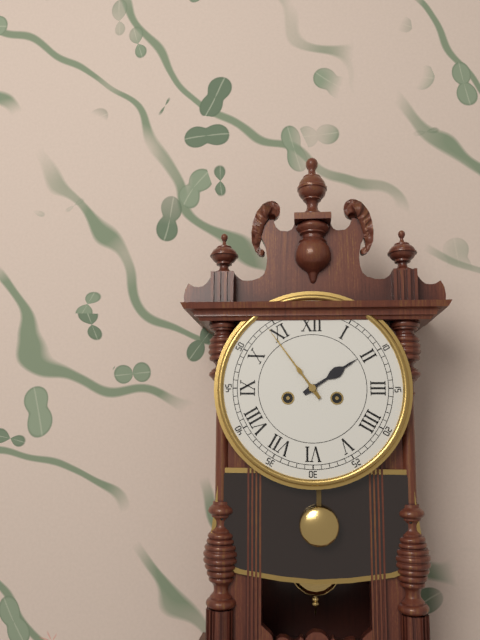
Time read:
1:54
